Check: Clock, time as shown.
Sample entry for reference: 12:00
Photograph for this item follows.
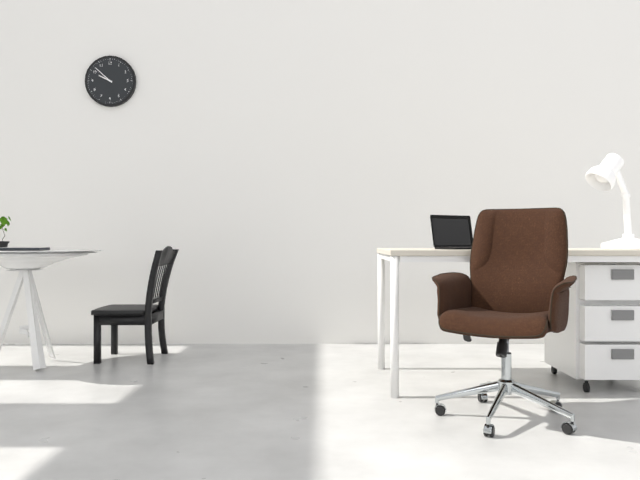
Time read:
9:52
